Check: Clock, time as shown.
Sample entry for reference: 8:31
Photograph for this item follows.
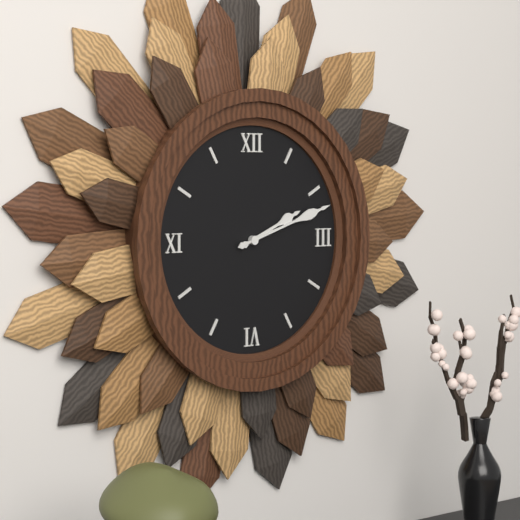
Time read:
2:12
